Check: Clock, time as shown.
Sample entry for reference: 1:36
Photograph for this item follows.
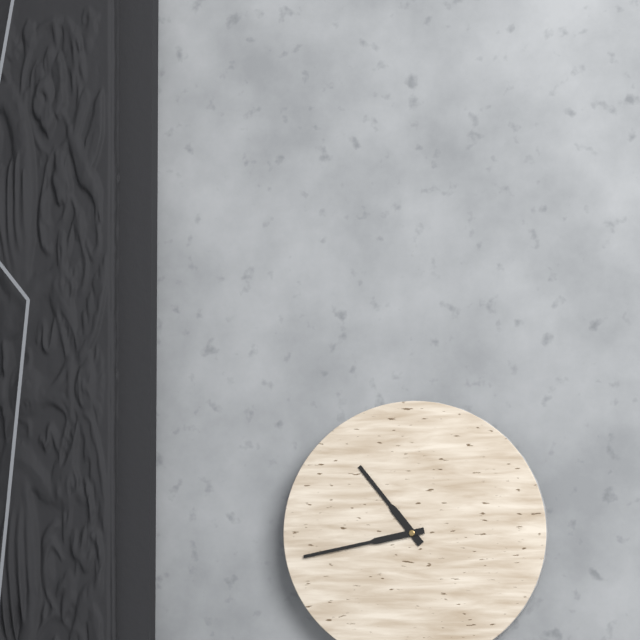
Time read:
10:43
